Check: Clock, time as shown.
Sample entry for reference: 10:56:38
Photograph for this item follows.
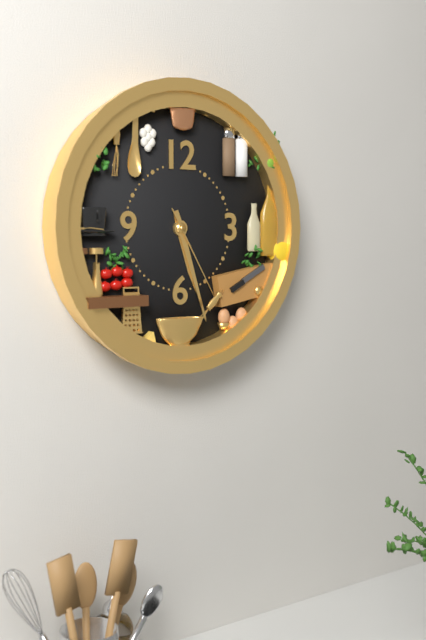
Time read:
5:27:25
